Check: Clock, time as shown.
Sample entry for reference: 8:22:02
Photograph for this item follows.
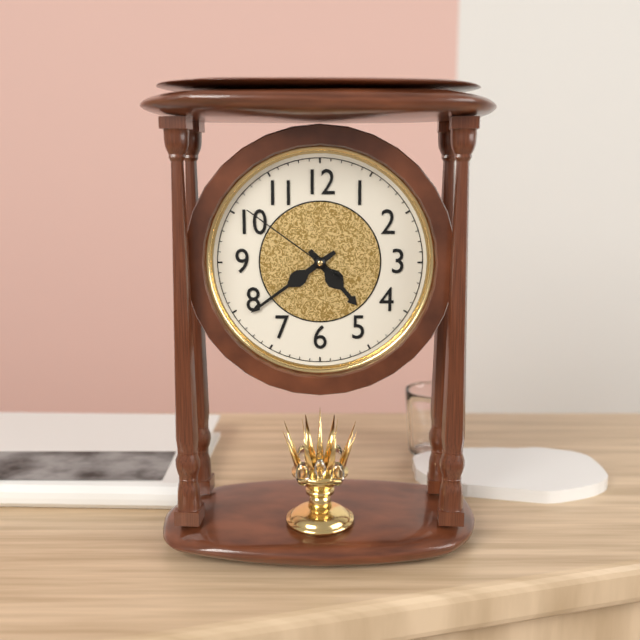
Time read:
4:39:51
